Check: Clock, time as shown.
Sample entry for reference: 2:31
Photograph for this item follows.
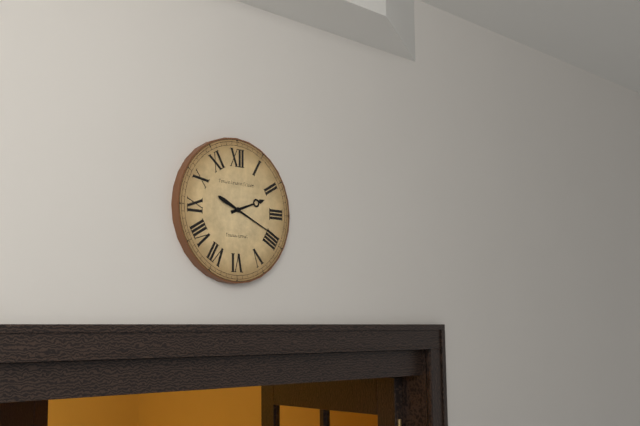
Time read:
2:19
